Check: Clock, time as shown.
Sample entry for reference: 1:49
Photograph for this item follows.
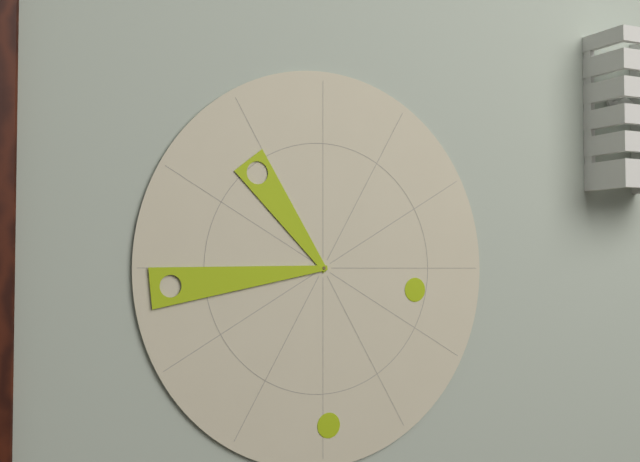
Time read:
10:44
